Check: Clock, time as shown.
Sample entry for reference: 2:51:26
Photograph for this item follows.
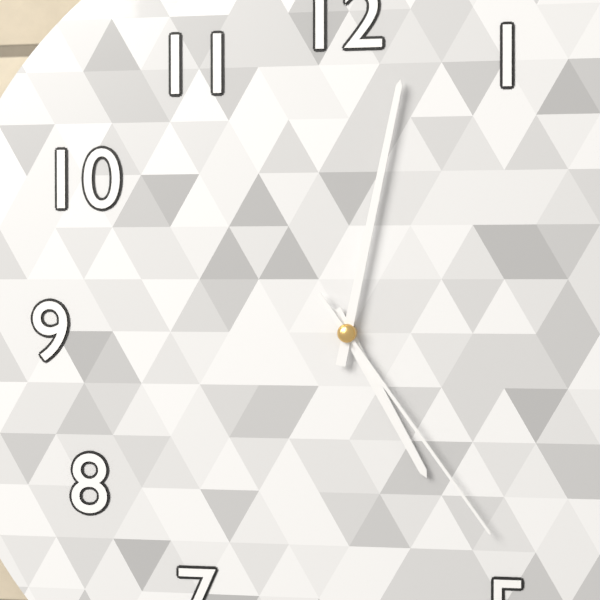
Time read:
5:02:24
